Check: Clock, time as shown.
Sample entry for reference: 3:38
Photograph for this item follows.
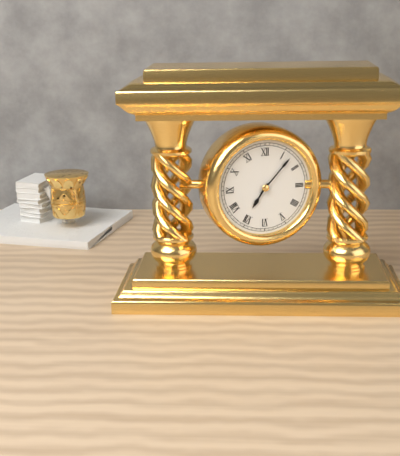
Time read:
7:07
